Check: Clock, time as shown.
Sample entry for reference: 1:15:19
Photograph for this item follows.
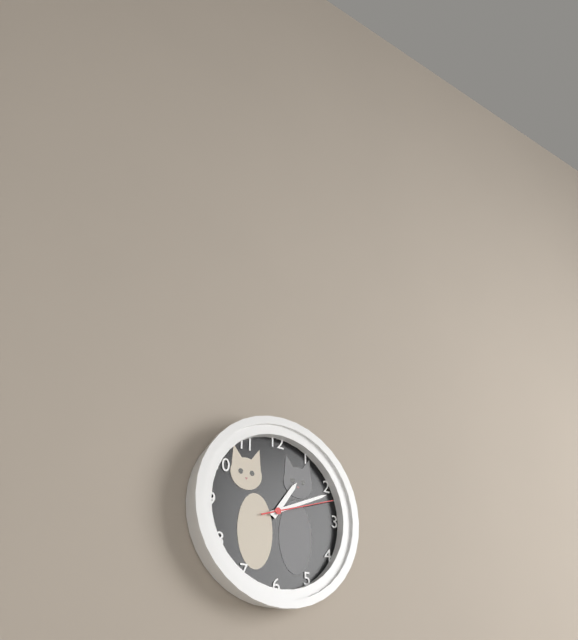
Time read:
1:11:12
